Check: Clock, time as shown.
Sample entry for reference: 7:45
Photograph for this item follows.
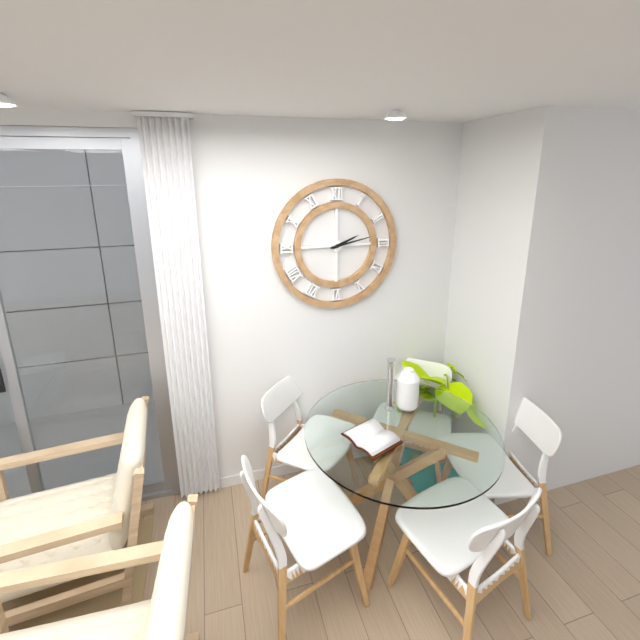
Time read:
2:13
